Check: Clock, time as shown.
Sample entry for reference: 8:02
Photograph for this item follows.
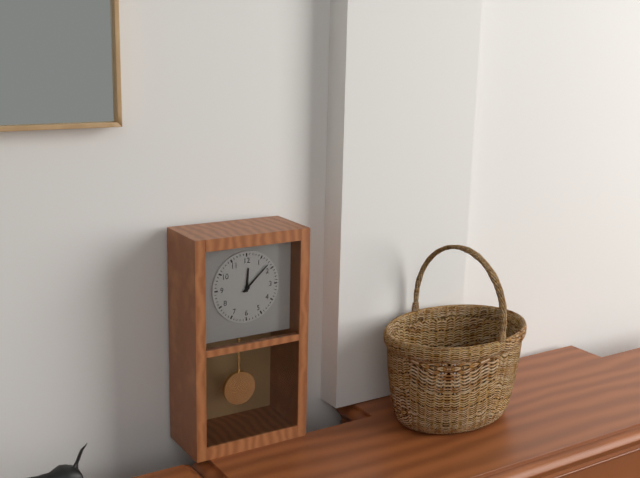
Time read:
12:08
